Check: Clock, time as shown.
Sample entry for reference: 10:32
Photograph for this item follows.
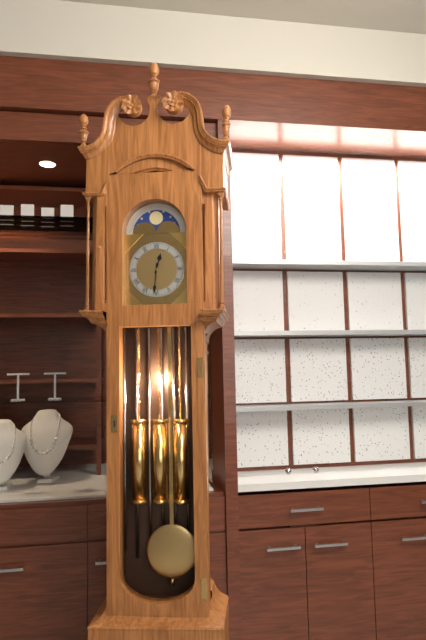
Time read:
12:31
